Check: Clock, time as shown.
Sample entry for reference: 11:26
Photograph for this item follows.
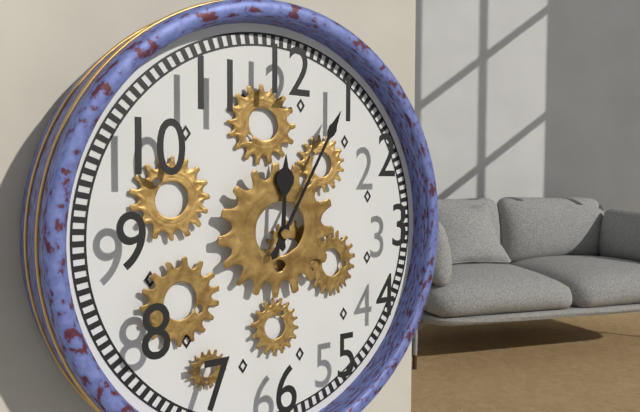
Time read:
12:05
